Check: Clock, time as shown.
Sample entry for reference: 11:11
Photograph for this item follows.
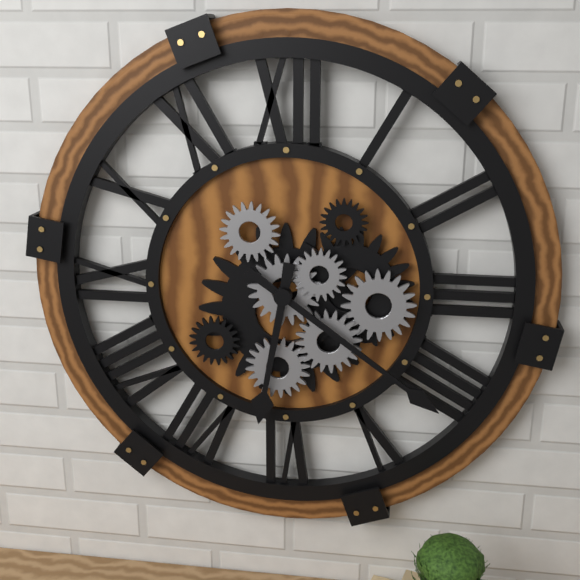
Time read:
6:21
